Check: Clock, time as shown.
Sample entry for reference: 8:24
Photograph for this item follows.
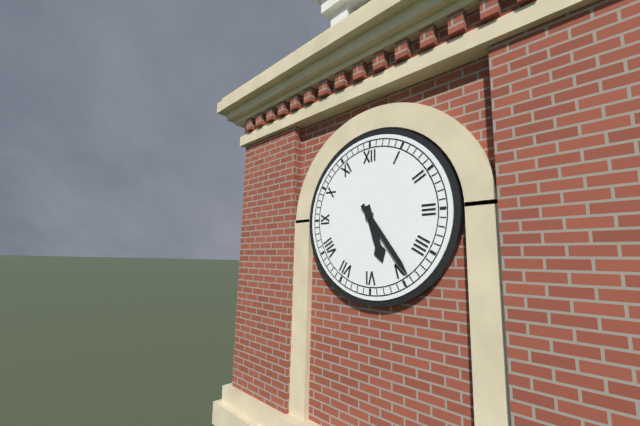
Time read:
5:24
